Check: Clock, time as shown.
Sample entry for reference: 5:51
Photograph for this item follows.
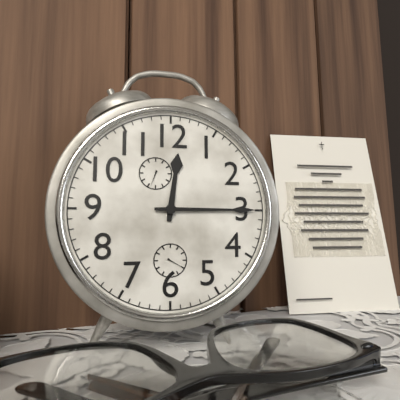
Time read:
12:15
